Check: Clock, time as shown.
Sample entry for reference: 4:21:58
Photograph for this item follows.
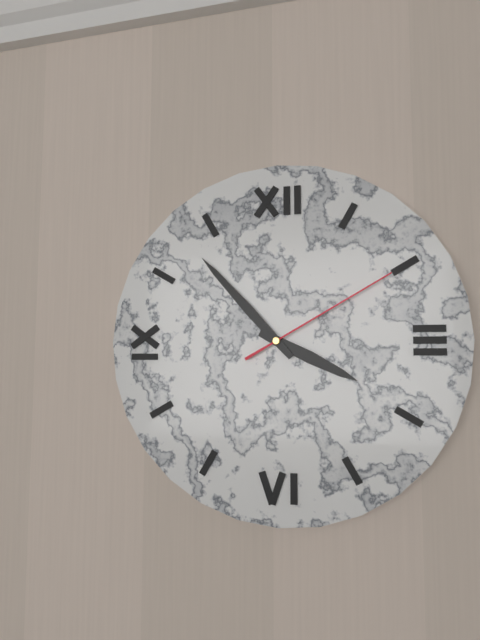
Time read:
3:53:10
